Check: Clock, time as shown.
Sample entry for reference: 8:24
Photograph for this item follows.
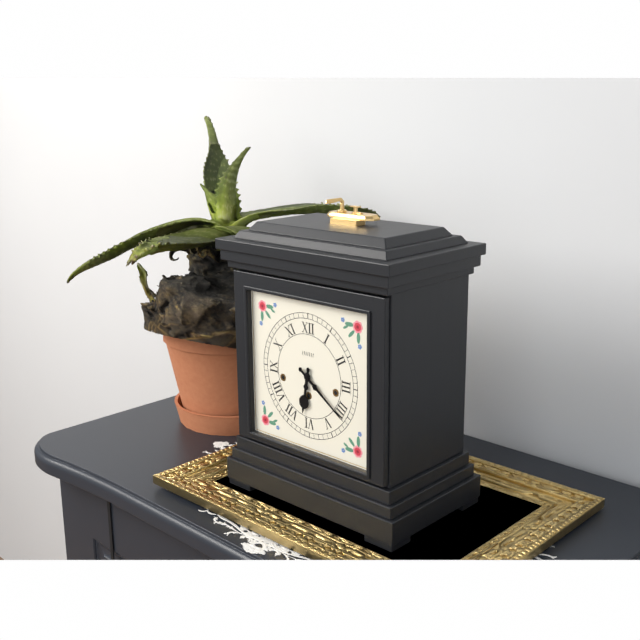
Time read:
6:21
